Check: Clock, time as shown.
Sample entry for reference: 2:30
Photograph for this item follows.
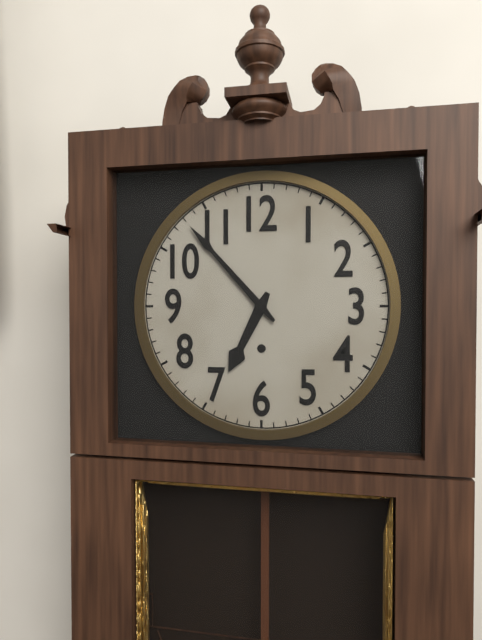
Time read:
6:53
